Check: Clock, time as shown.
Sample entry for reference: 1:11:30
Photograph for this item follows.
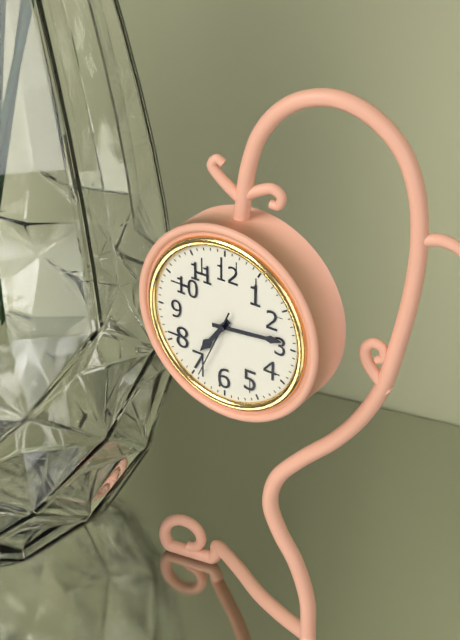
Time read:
7:14:34
